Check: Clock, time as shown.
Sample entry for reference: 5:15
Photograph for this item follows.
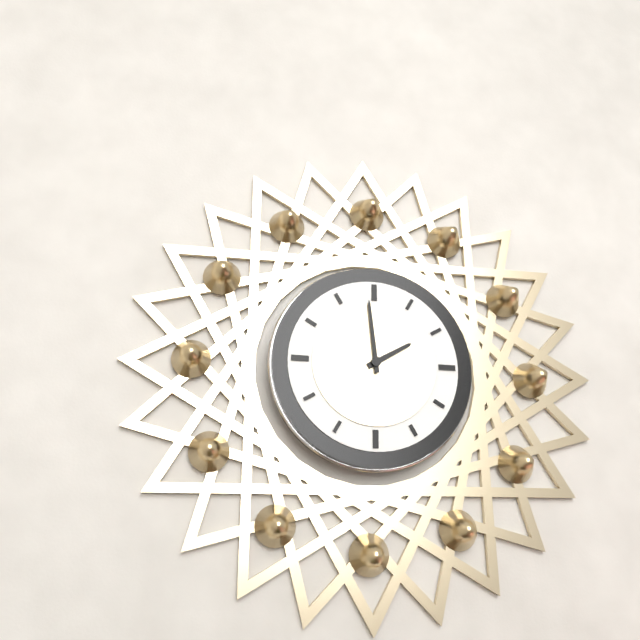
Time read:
1:59
